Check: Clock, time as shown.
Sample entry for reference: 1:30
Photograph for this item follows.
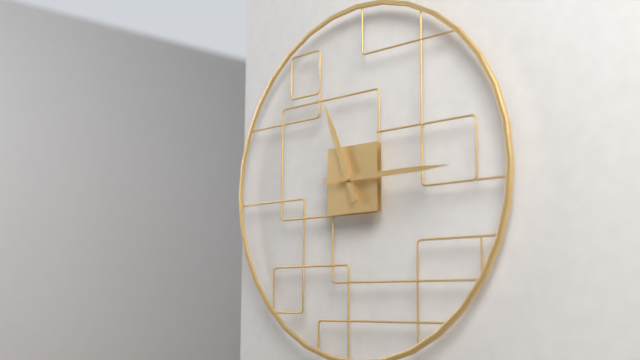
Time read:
11:15
